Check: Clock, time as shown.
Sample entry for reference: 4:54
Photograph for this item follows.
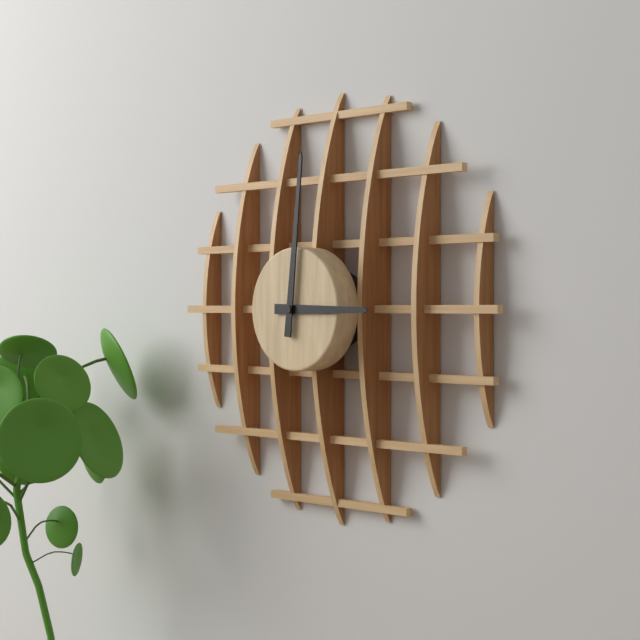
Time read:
3:01
